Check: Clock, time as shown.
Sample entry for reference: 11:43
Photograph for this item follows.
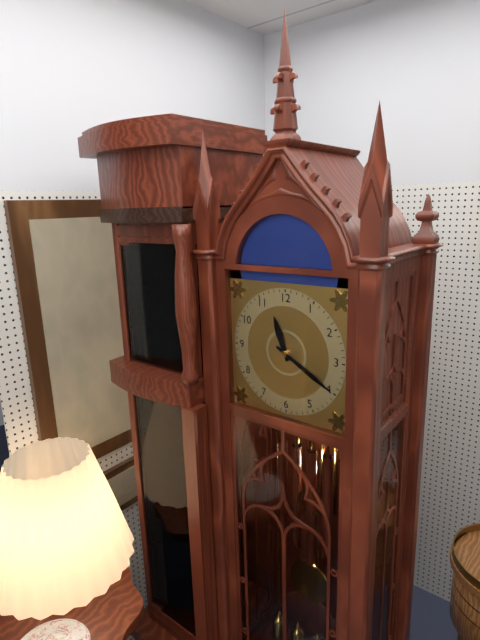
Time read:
11:20
